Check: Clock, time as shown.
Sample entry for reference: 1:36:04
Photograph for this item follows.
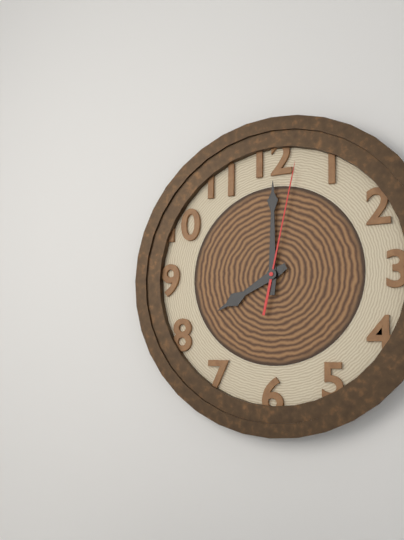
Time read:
8:00:02
